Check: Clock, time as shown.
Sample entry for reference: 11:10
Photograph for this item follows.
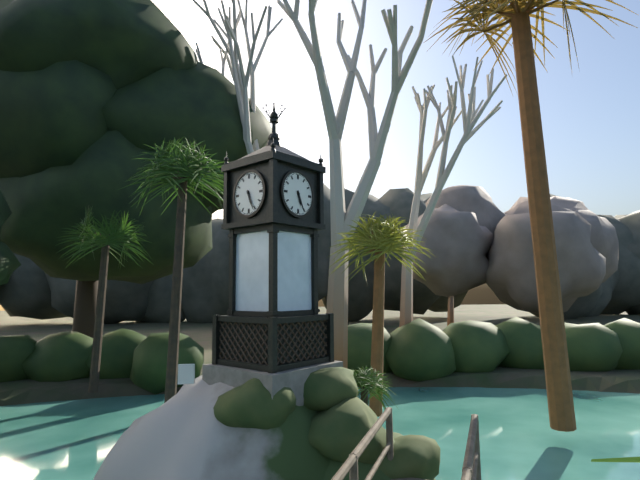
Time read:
5:26
